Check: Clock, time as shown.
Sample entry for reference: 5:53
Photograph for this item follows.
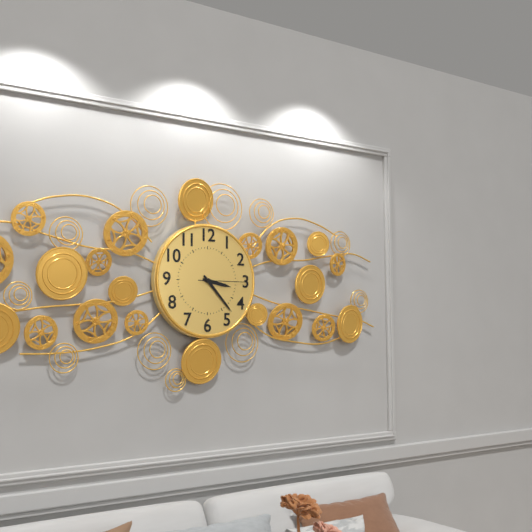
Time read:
3:23
